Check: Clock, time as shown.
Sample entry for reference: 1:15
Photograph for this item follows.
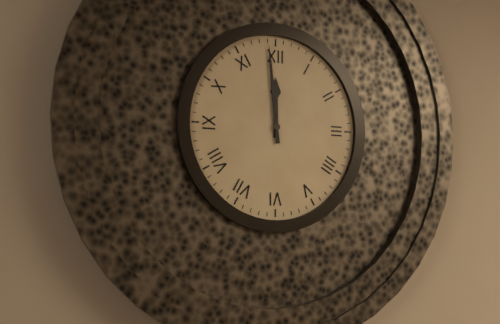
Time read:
11:59
